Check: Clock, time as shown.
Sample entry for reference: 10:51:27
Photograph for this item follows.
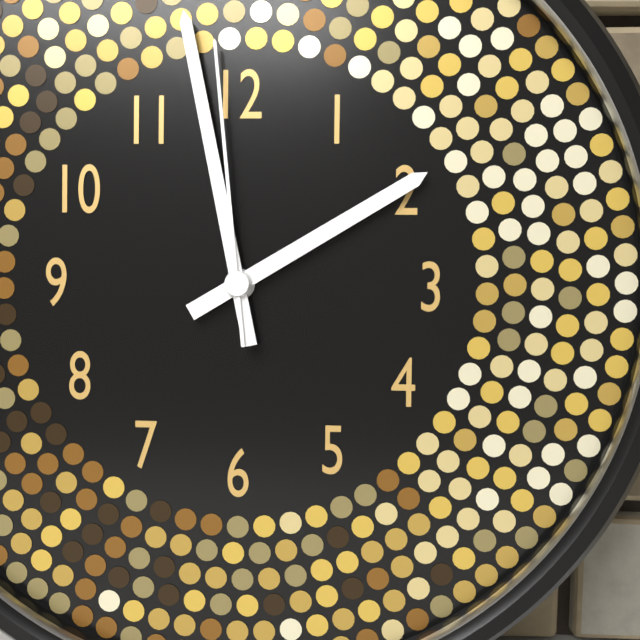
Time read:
1:58:59
